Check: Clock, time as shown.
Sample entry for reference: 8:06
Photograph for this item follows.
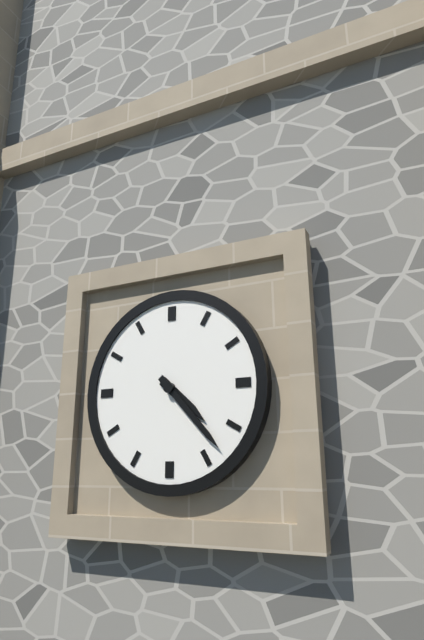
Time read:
4:23
